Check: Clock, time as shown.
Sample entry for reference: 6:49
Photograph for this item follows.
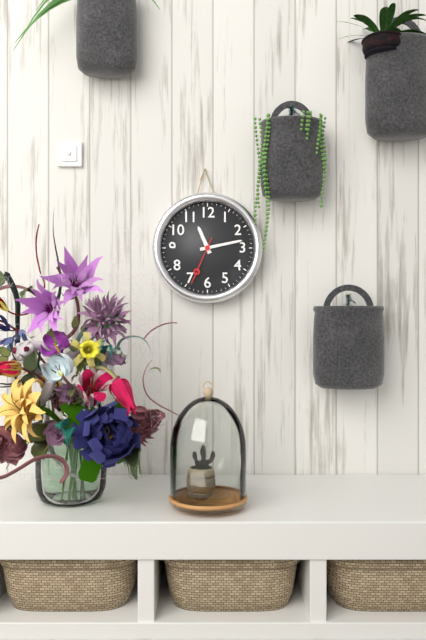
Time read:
11:13
